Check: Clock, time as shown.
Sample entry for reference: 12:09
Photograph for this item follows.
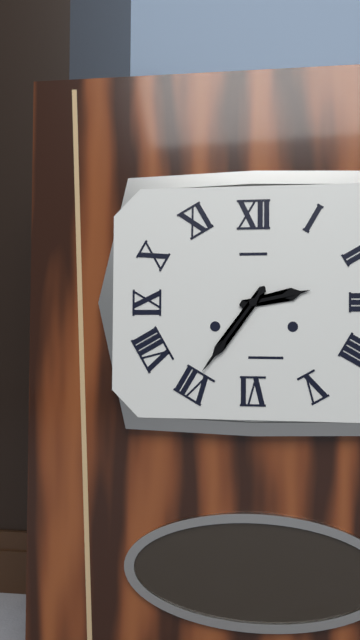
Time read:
2:36
